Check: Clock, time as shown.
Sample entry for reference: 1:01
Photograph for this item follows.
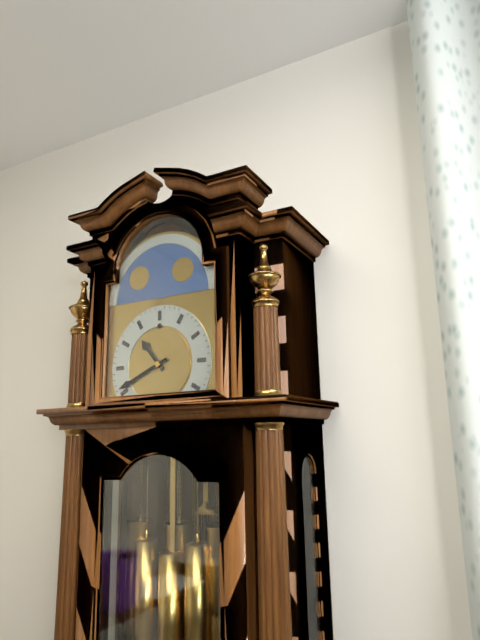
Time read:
10:41
